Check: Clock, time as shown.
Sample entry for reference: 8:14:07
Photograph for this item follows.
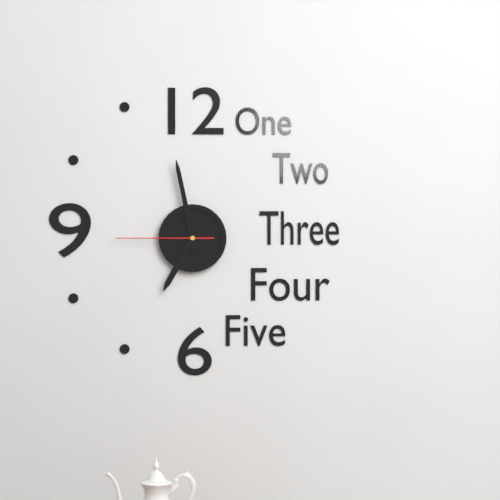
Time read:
6:58:45
